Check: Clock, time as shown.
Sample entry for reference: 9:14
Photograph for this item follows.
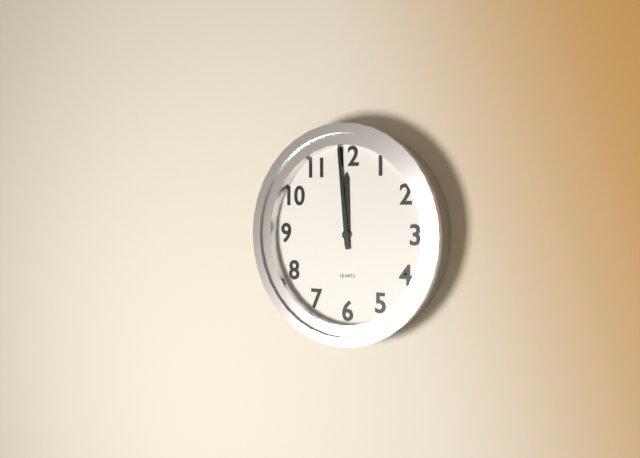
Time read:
11:59
